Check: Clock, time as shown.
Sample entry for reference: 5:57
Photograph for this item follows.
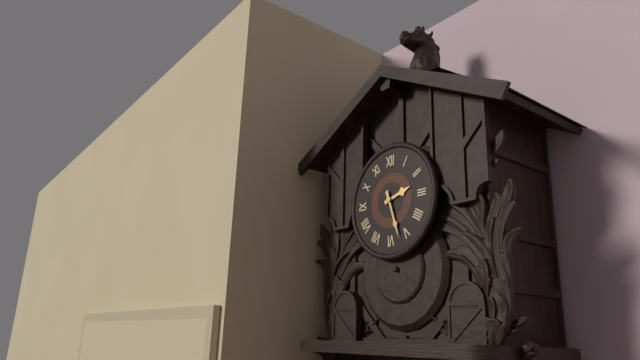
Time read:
2:27
